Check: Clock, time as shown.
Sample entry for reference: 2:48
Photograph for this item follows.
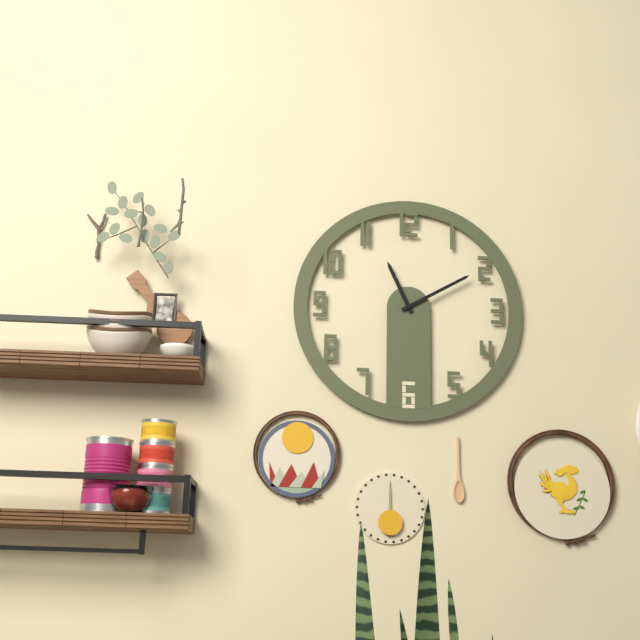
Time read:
11:10
